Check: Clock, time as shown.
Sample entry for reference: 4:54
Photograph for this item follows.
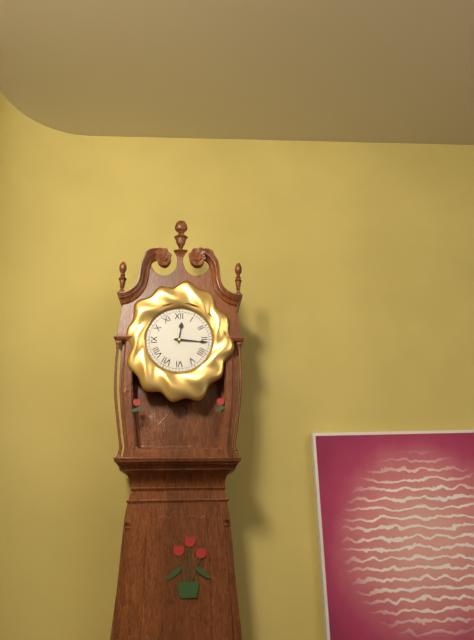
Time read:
12:16
